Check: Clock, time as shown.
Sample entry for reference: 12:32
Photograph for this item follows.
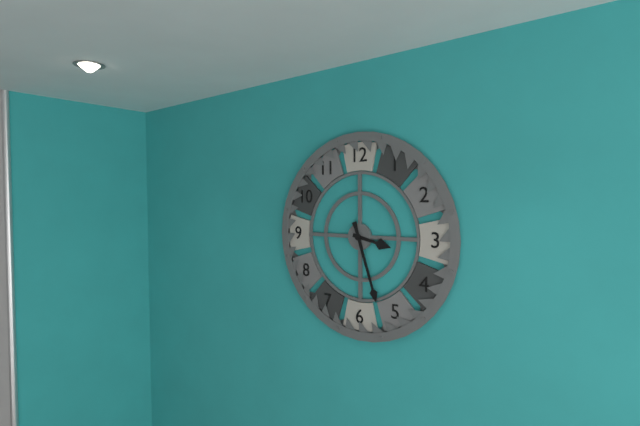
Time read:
3:27
